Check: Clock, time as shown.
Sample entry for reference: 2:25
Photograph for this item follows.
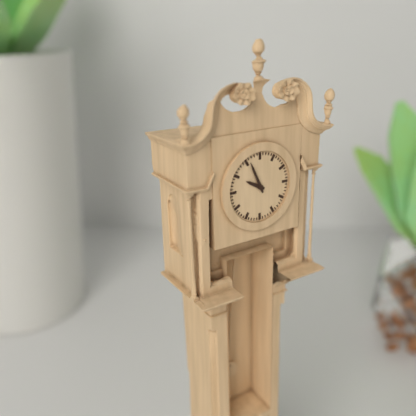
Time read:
9:56
